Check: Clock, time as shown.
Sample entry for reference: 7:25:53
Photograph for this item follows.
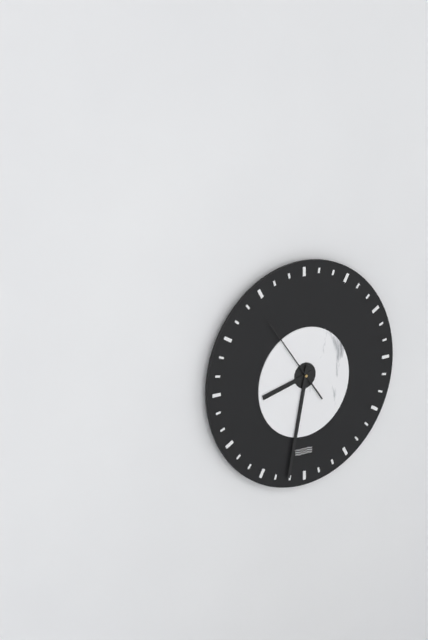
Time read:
8:32:54
